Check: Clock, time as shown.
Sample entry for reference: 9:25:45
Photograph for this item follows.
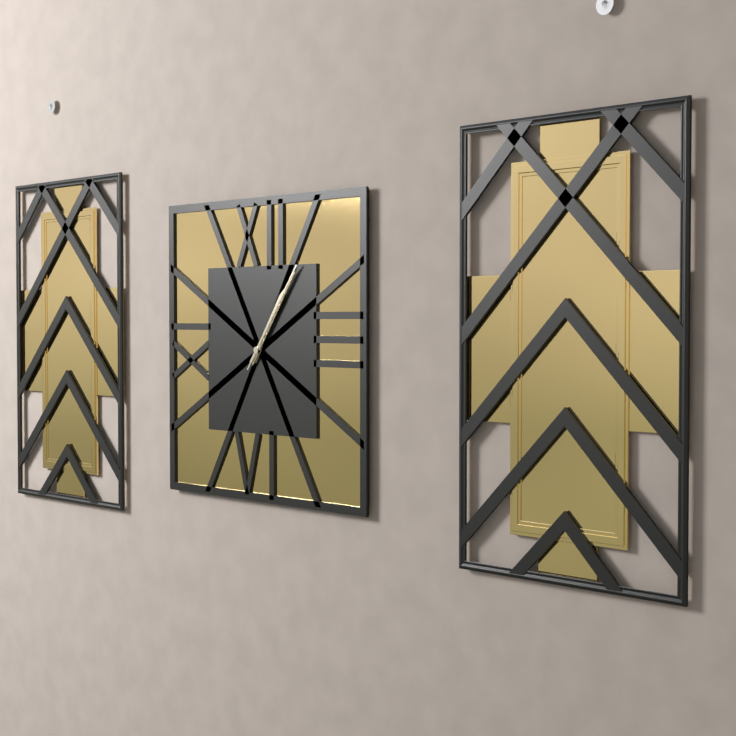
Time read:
1:06:06
